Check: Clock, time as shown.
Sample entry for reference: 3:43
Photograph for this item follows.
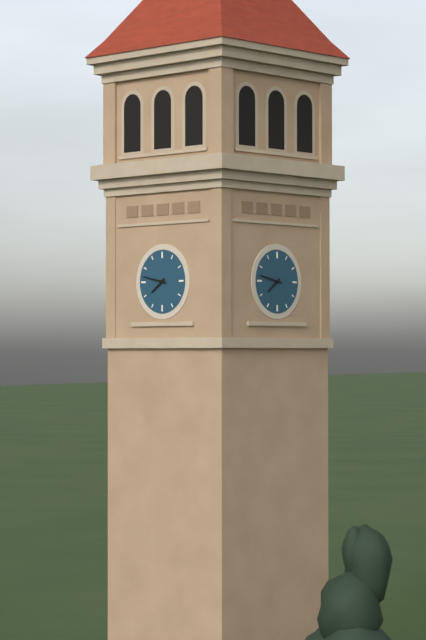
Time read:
7:47
